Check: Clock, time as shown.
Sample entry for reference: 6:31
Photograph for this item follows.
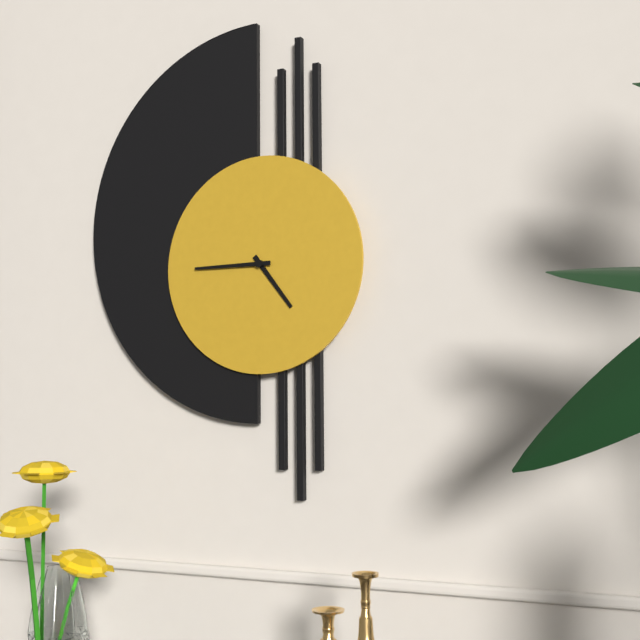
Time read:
4:45
